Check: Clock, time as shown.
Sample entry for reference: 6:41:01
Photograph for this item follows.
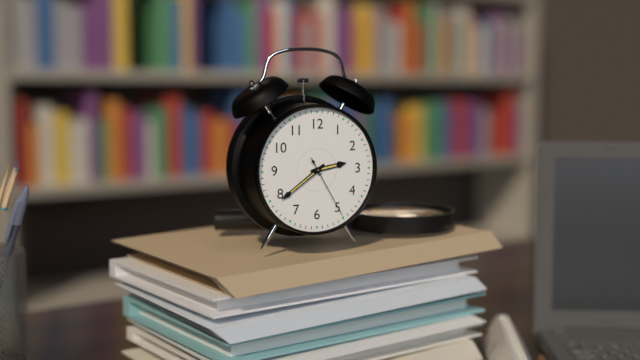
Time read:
2:39:25
